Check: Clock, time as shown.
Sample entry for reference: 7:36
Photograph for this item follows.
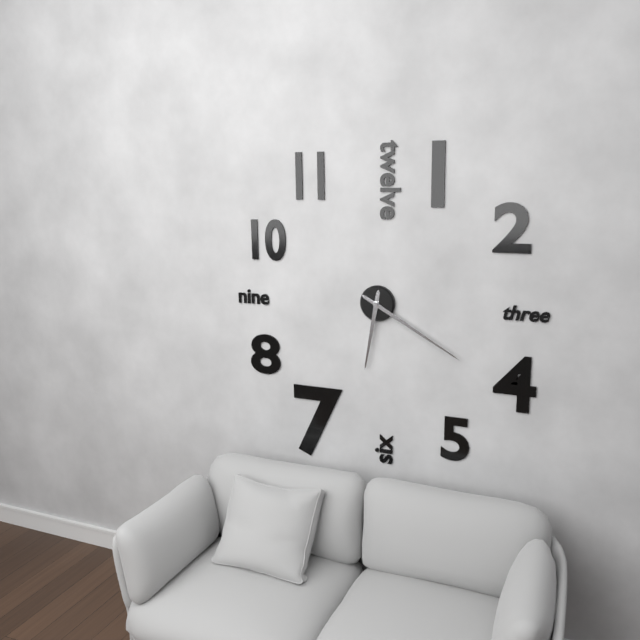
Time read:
6:20
